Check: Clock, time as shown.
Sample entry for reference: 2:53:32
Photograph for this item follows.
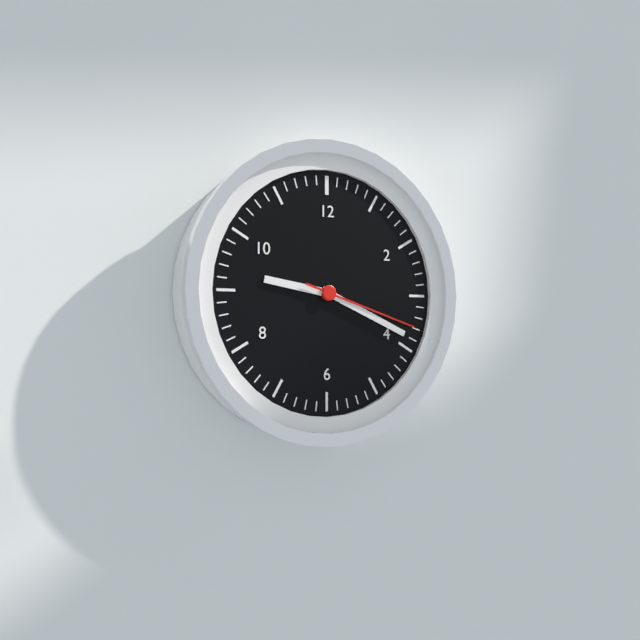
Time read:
9:19:18
